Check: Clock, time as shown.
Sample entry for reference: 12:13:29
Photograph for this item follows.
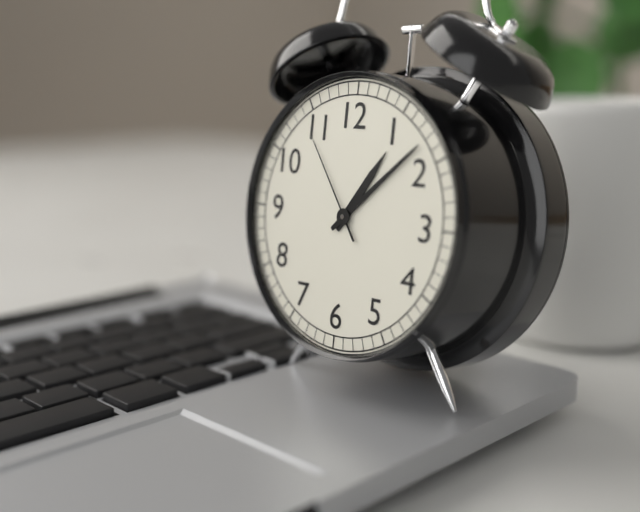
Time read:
1:08:54
